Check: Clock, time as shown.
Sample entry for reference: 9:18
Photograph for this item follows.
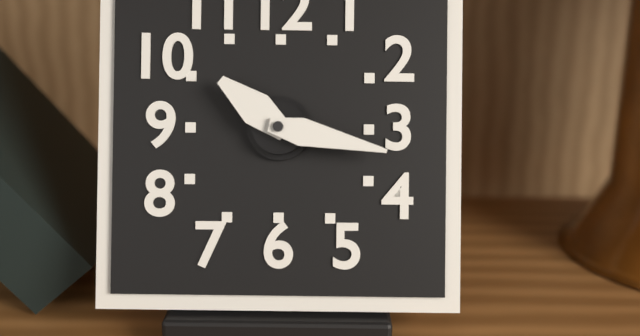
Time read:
10:17
